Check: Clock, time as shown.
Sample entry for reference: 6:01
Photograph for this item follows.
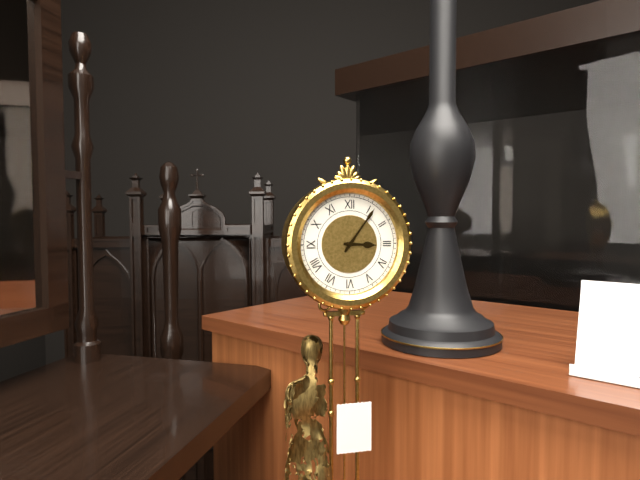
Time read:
3:06
